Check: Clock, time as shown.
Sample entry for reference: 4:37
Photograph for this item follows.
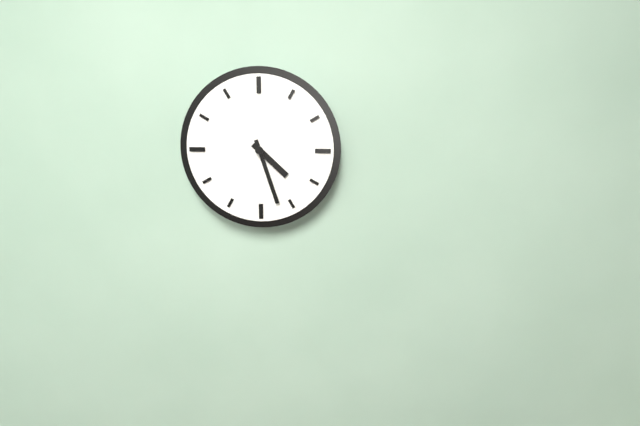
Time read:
4:27
